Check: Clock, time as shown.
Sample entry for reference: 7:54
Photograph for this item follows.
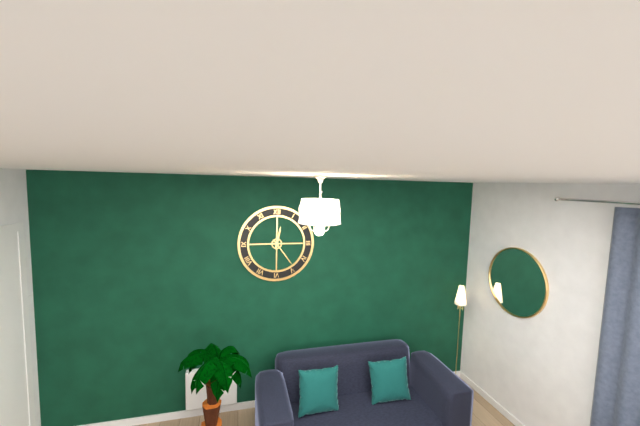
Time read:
12:24
